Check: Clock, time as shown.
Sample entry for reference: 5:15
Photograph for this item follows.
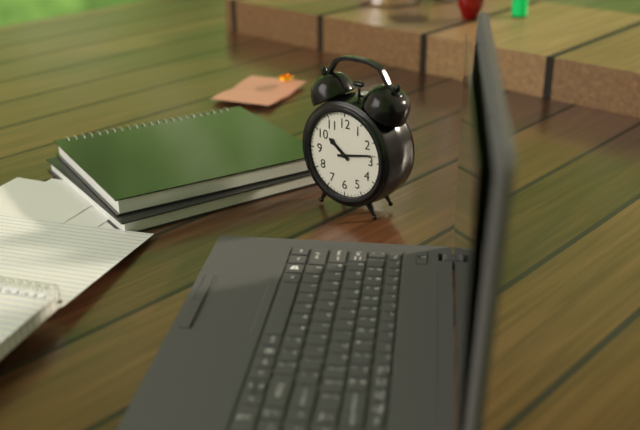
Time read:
10:13
